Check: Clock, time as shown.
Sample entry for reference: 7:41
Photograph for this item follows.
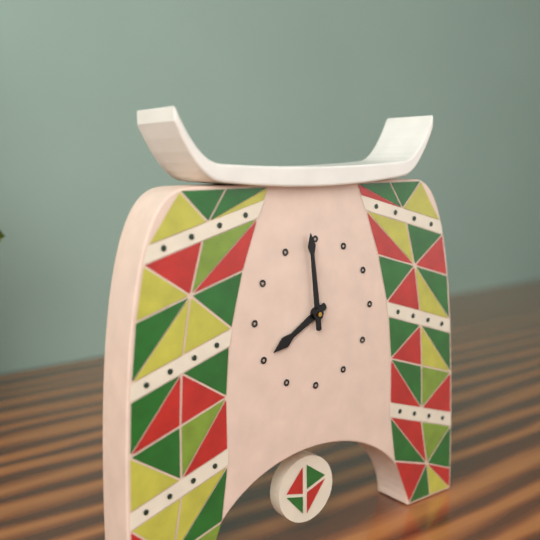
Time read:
7:59
